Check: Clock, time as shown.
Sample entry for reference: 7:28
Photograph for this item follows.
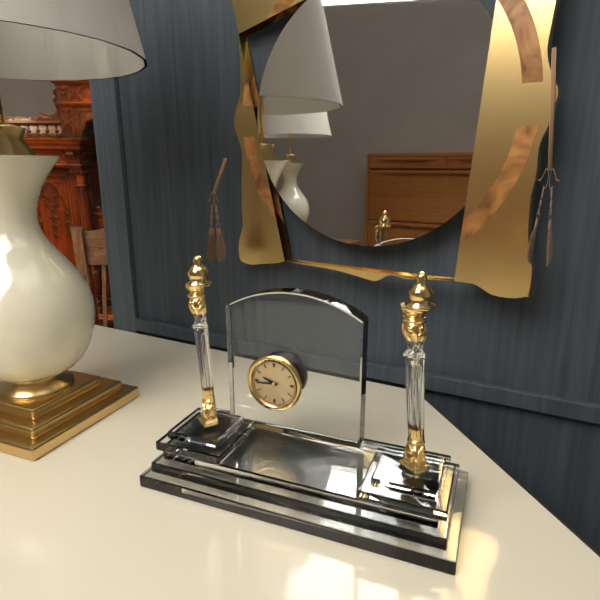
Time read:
9:44
